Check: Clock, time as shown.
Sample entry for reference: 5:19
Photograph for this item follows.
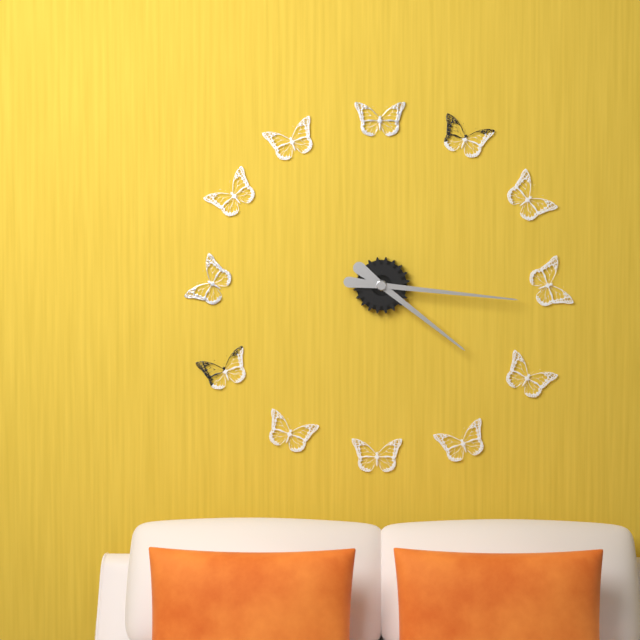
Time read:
4:16
